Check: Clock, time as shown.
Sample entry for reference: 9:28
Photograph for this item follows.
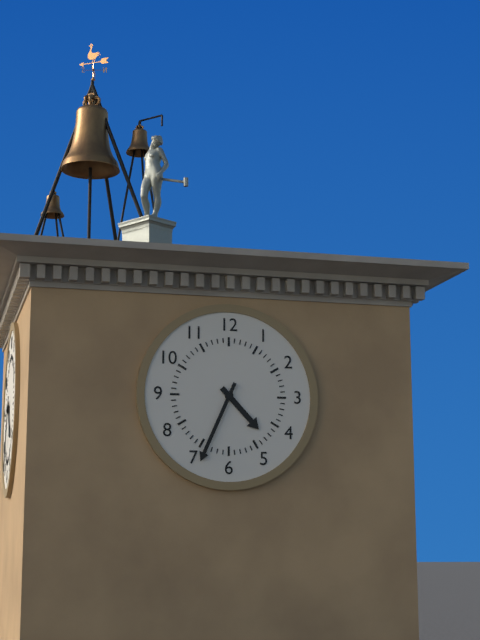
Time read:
4:34
